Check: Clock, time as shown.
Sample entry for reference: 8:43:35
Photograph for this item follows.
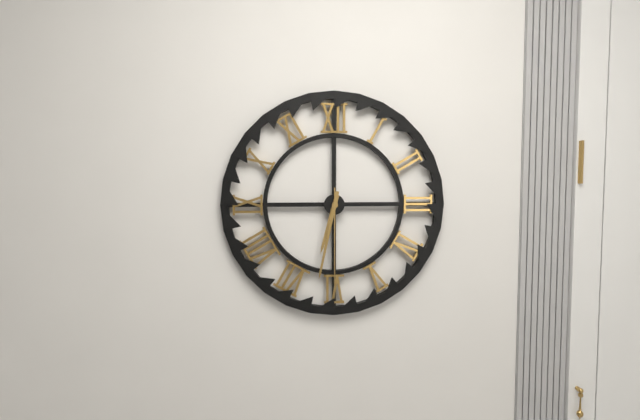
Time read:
6:32:30
